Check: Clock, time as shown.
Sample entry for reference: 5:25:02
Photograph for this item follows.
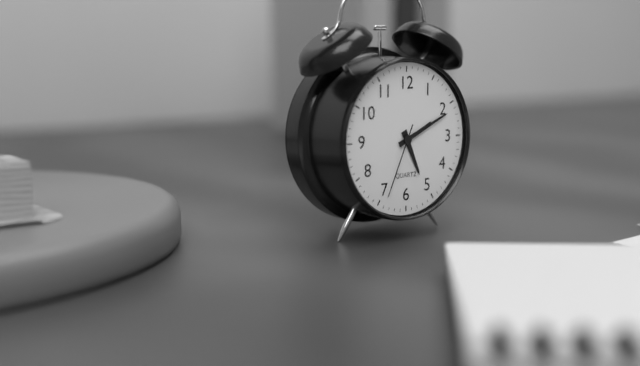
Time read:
5:11:34
